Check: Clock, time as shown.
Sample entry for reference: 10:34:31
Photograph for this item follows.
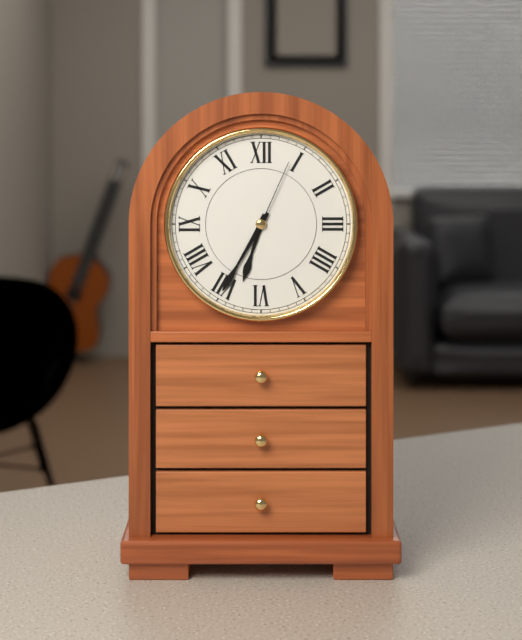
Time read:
6:35:04
